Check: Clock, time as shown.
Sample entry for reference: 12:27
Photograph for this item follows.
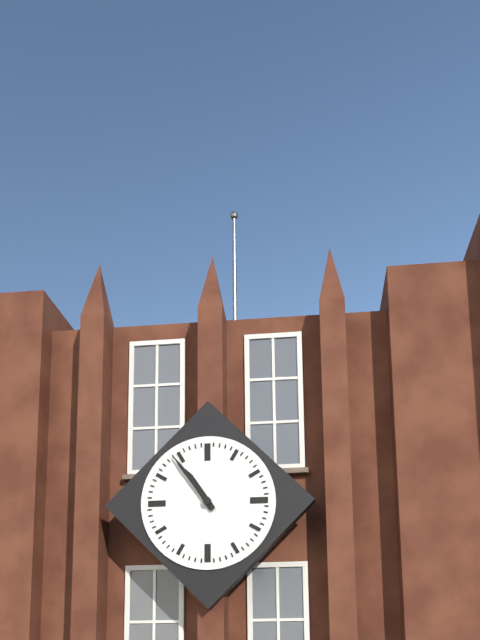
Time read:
10:54
